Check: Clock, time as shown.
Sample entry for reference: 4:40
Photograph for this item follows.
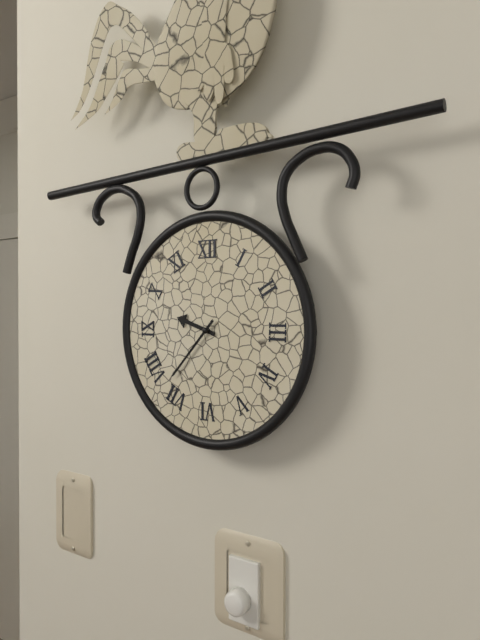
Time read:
9:37
